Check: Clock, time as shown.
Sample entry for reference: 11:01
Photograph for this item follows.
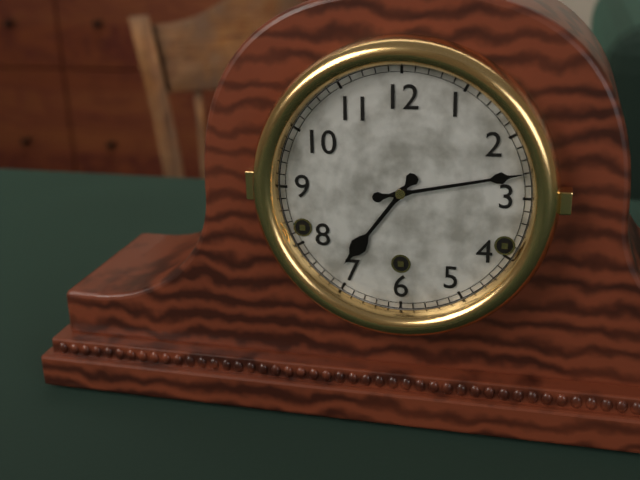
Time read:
7:13
